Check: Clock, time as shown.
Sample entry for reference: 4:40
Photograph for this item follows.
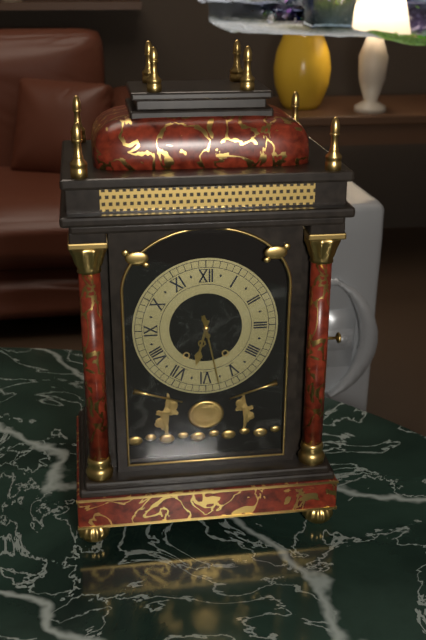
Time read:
6:28
